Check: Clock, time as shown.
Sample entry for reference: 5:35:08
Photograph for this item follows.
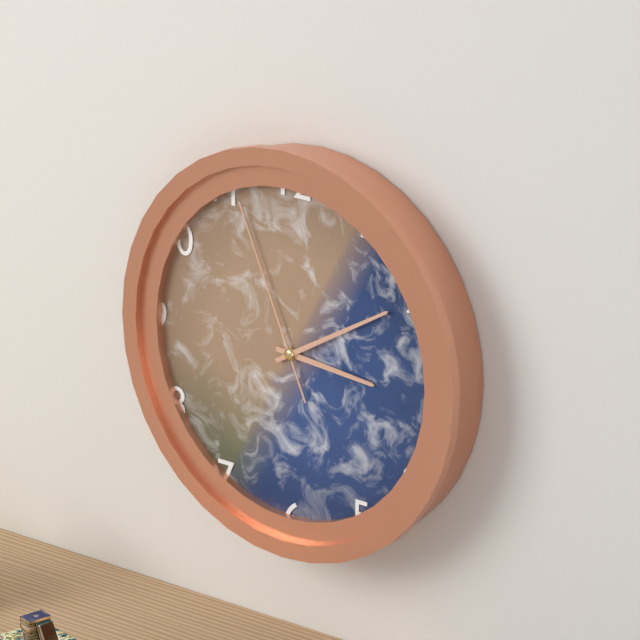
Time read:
3:10:56
